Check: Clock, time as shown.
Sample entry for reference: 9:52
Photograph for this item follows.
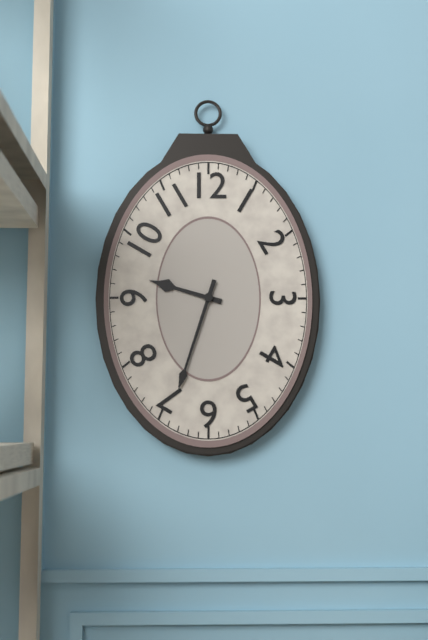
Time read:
9:33
